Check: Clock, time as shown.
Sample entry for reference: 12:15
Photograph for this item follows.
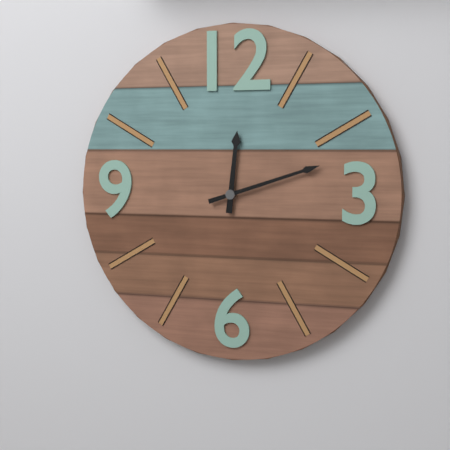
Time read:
12:12
